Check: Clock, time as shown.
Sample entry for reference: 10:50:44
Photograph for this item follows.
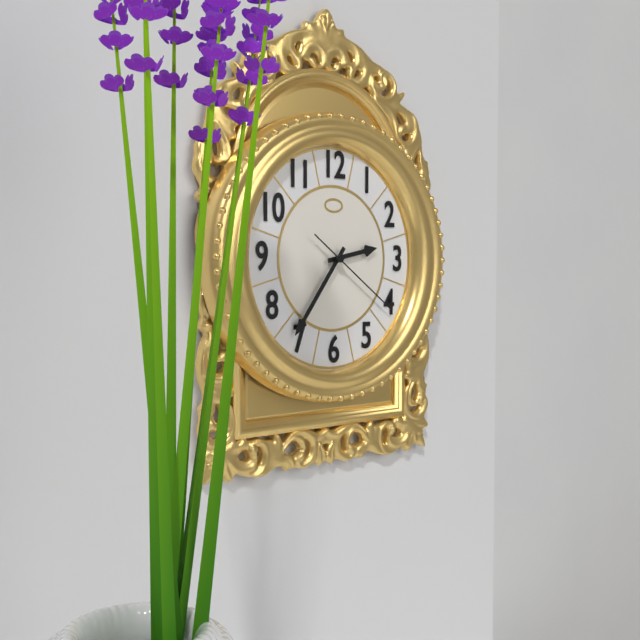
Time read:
2:36:21
